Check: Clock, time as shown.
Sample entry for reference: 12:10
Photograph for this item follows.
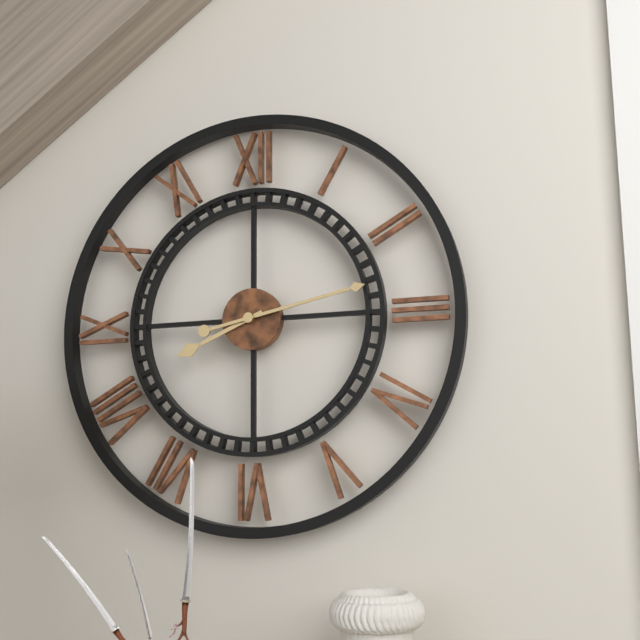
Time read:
8:13
